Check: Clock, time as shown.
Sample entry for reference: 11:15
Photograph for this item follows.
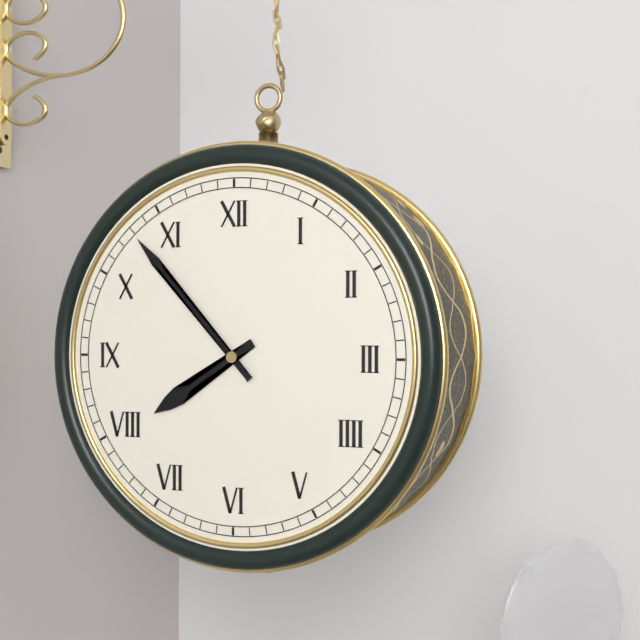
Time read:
7:53
